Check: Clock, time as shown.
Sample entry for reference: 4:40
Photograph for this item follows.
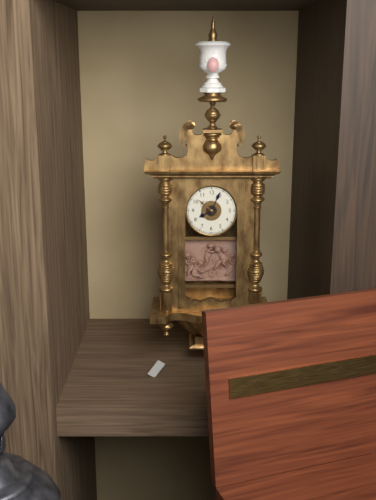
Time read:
8:04
